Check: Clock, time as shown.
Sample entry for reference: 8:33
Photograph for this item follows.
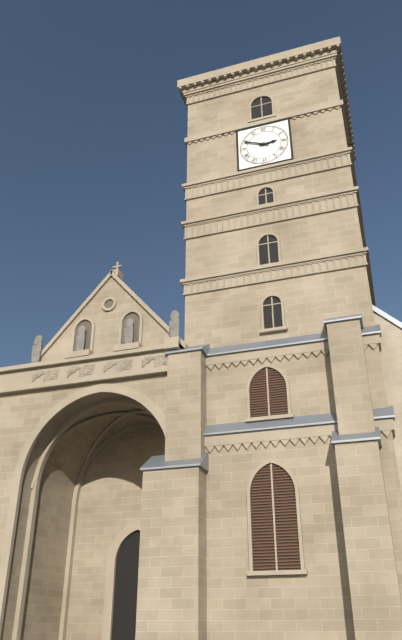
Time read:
2:49
